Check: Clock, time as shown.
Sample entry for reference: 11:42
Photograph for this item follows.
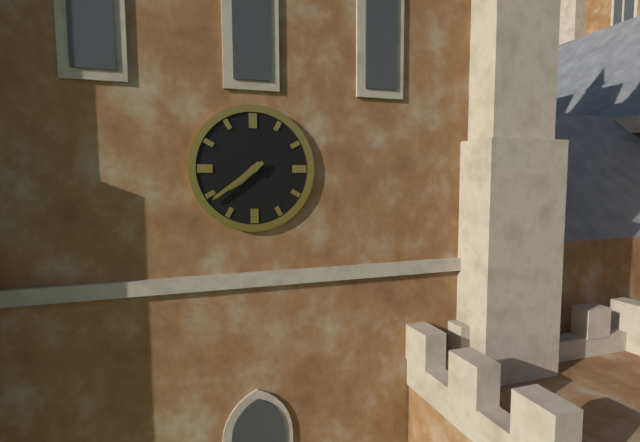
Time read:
7:39
